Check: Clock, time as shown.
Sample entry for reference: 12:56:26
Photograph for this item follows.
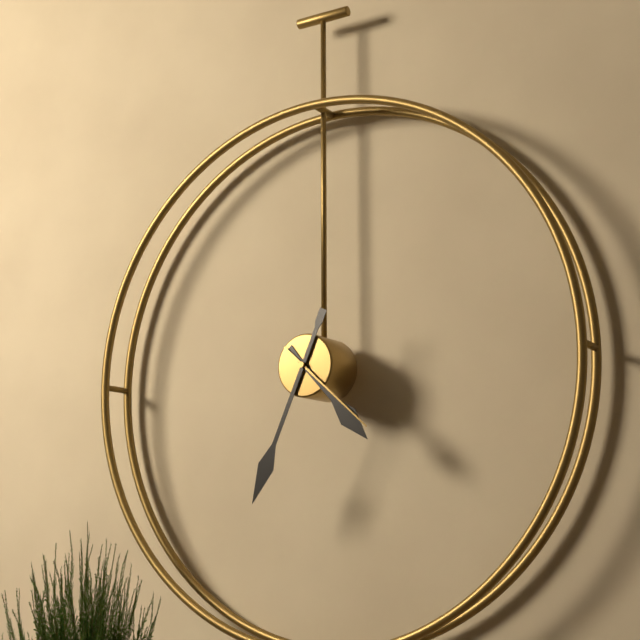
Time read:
4:34:22
